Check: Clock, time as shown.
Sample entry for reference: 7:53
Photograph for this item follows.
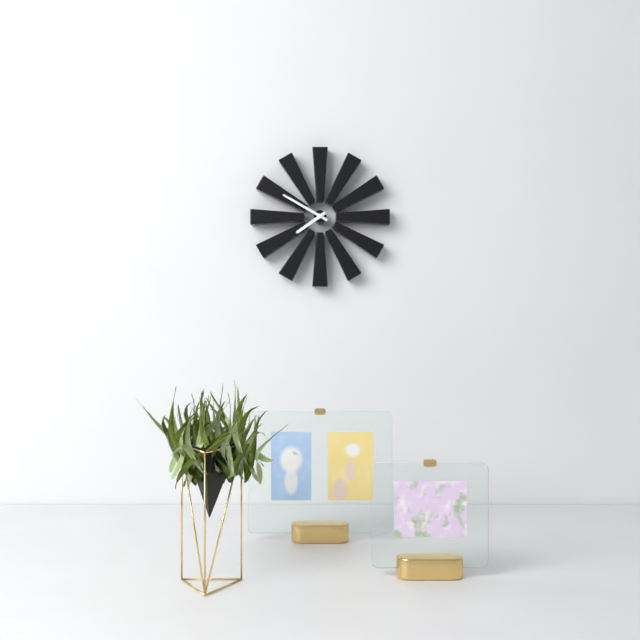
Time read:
7:50
